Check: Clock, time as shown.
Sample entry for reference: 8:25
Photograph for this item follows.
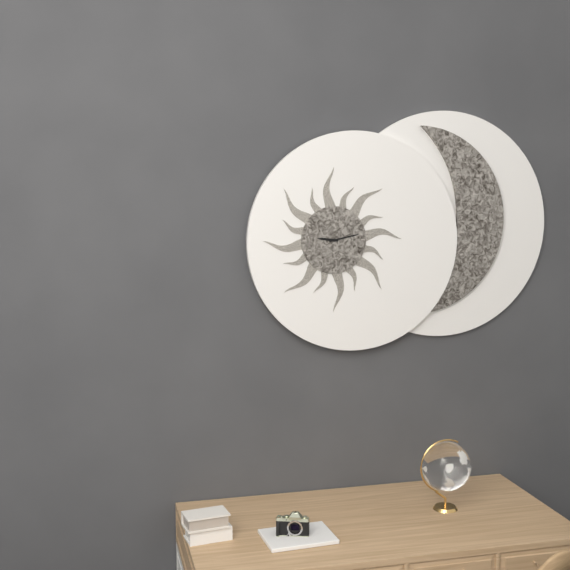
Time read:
9:13
